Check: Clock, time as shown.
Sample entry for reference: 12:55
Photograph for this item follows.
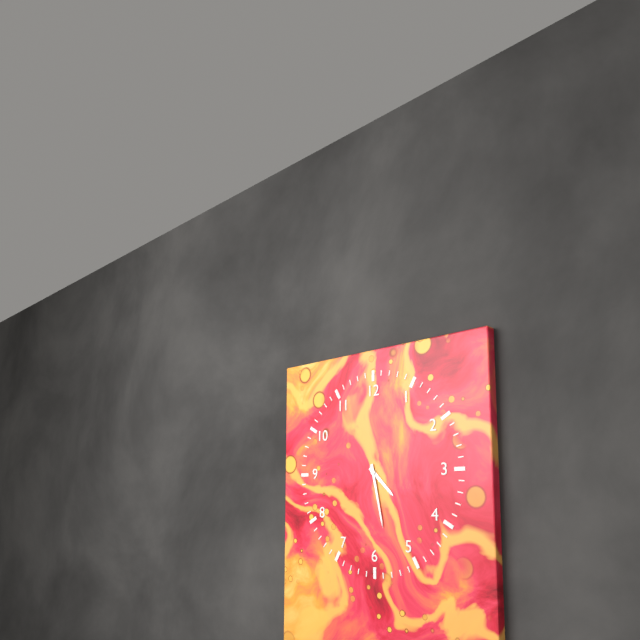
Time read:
4:28
